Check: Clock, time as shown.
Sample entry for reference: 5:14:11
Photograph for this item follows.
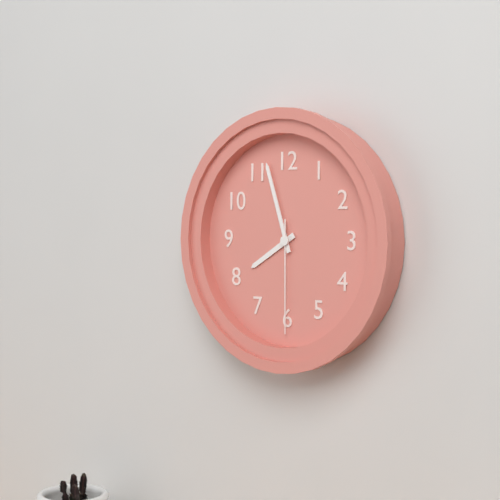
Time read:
7:57:30
